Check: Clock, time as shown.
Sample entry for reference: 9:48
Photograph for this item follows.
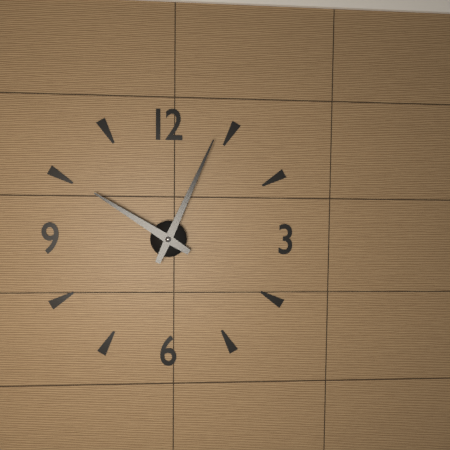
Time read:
10:04
